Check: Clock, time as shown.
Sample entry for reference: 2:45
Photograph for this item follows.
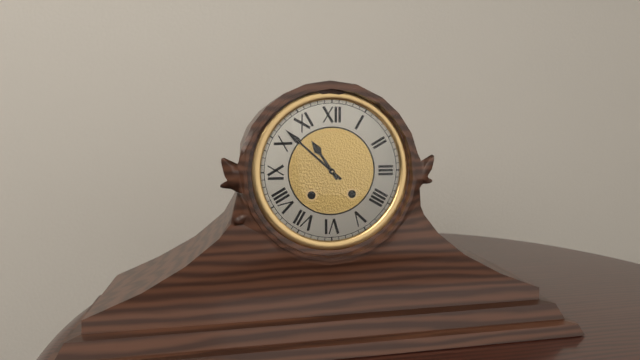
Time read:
10:52
